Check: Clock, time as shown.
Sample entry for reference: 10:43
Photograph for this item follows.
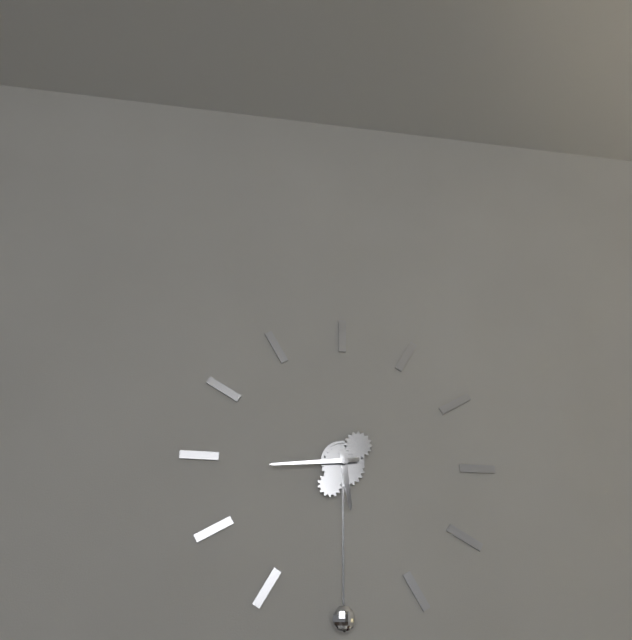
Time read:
5:44
